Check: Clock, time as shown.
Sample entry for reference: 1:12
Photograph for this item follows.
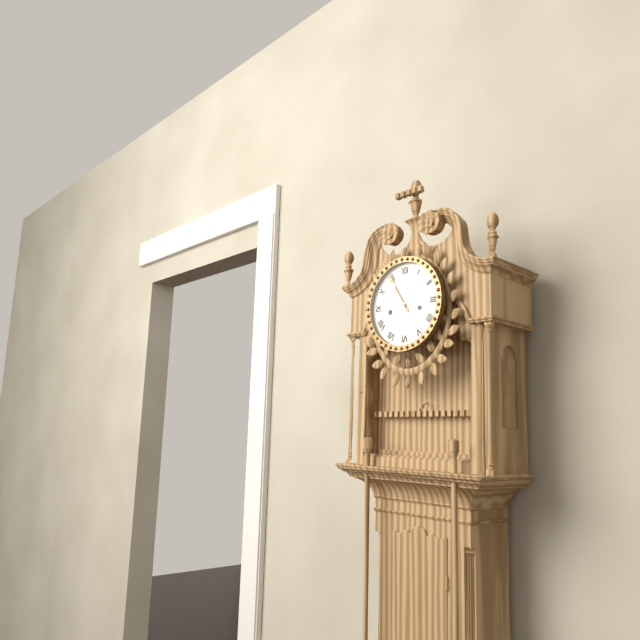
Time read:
10:55
